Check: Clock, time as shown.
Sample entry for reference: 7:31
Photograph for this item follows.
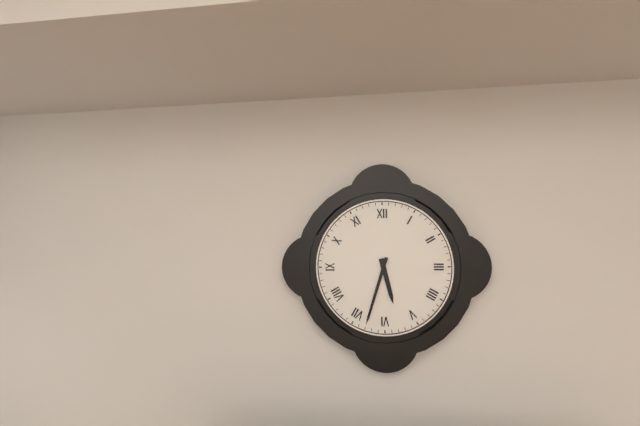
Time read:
5:33
